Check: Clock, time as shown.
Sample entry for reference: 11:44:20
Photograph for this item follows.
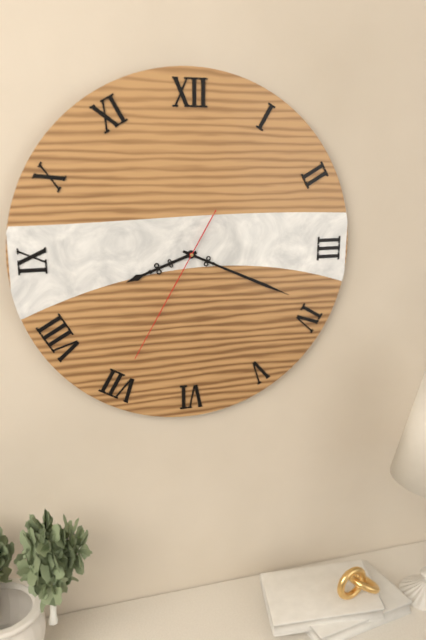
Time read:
8:19:35
